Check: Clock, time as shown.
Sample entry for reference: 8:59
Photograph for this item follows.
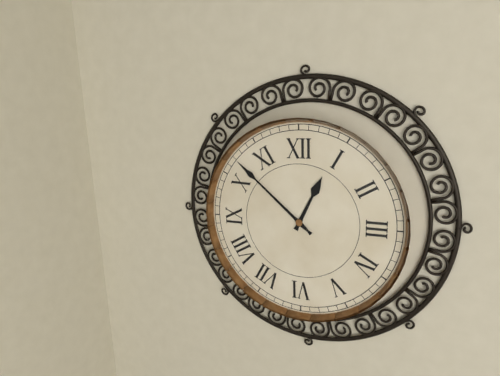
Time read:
12:52
